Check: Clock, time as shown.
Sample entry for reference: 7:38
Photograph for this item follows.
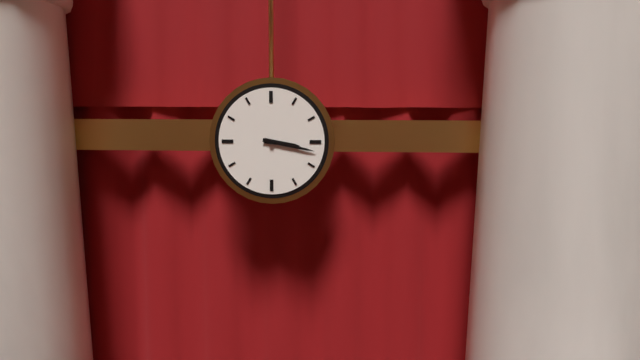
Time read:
3:17
